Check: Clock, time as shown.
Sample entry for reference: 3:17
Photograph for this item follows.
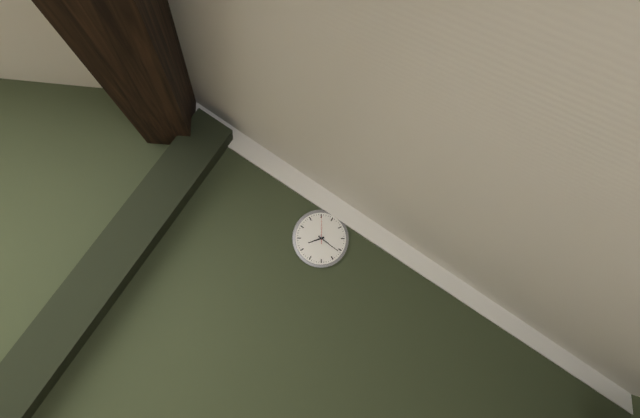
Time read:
8:21
